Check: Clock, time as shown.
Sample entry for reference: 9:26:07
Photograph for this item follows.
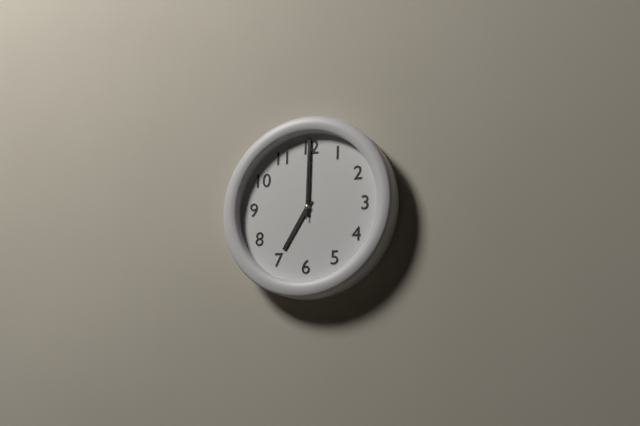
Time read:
7:00:00
